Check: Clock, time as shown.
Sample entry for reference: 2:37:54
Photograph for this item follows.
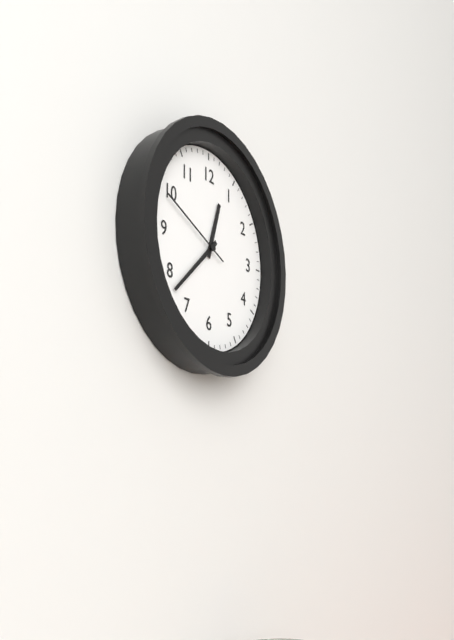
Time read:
12:38:49
